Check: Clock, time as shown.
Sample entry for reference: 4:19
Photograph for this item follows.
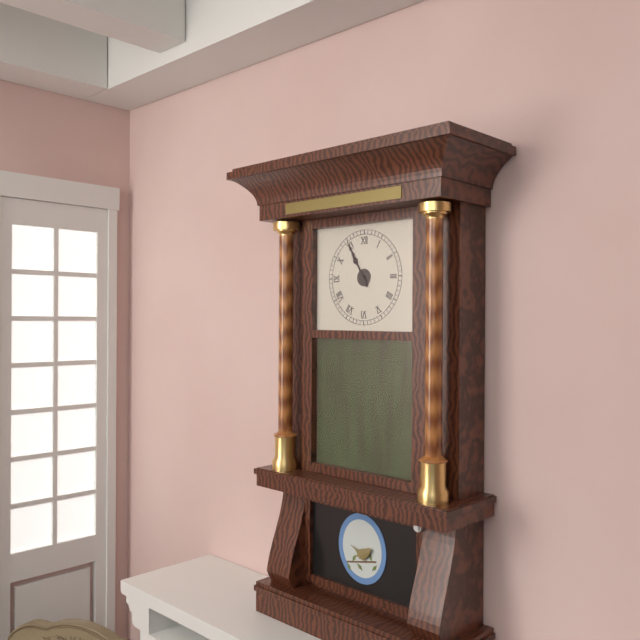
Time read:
10:55
